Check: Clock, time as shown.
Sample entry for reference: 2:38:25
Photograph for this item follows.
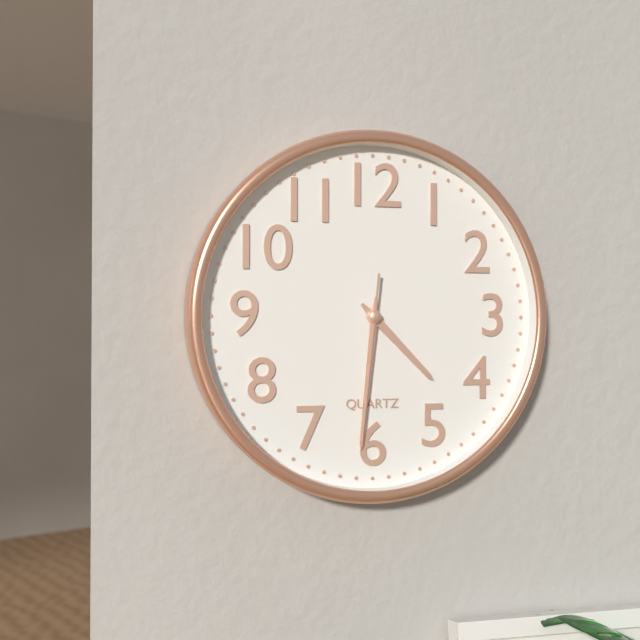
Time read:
4:31:31
